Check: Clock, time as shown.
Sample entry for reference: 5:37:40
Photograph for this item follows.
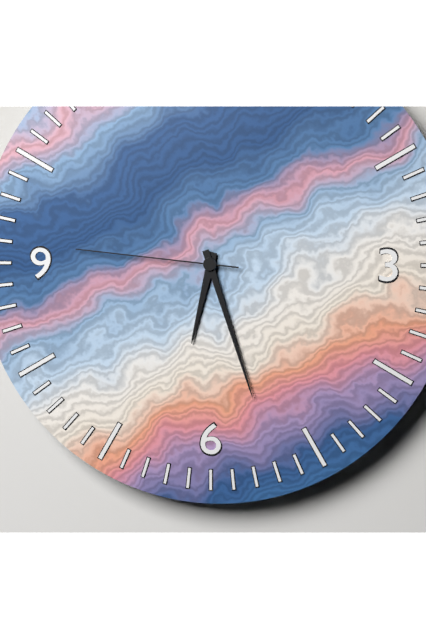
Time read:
6:27:46
